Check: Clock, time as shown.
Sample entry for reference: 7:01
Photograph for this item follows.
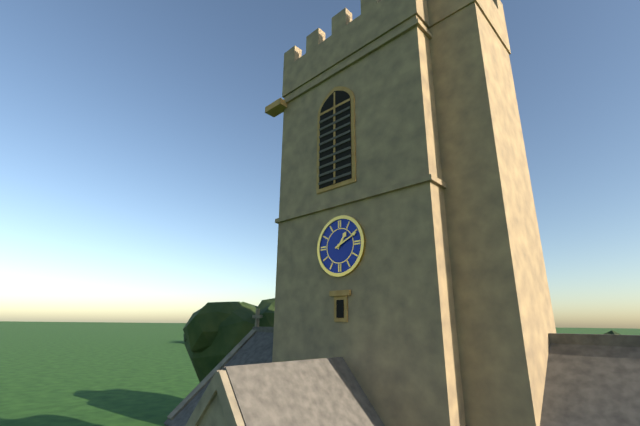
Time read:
1:11
